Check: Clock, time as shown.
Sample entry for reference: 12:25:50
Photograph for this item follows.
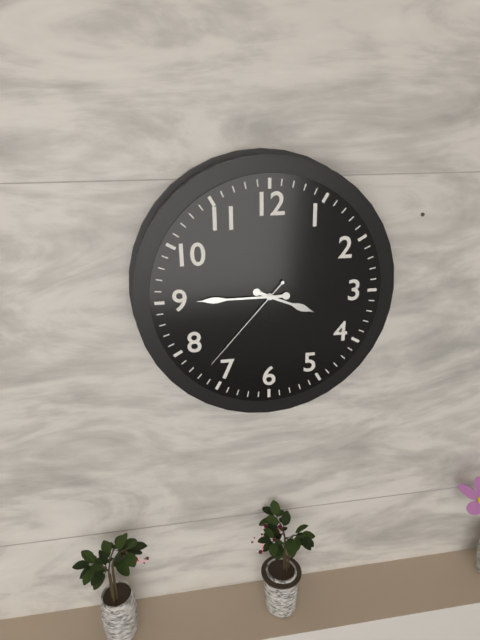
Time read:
3:45:37
